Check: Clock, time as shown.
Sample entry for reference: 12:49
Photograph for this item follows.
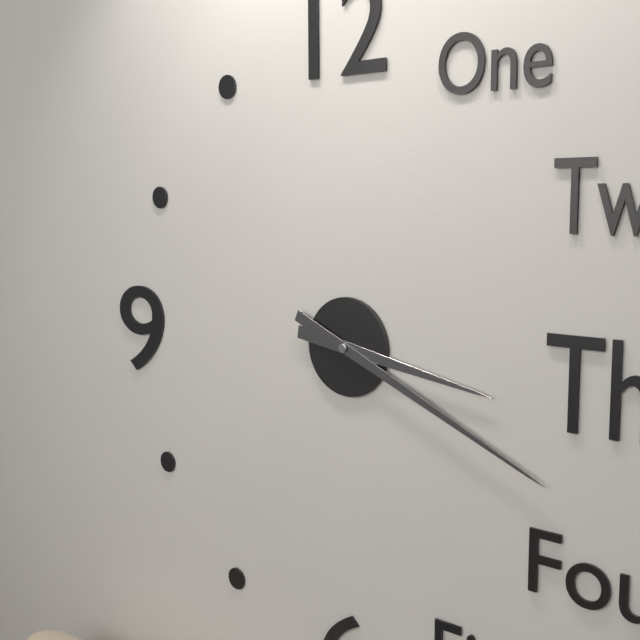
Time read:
3:19
